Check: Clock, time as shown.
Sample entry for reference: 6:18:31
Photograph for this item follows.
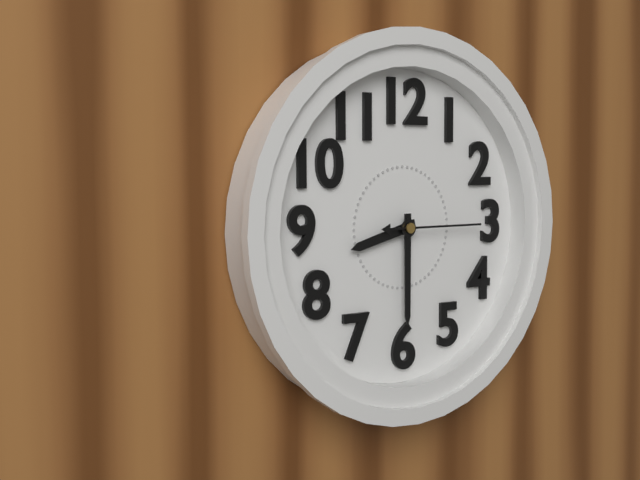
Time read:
8:30:15
